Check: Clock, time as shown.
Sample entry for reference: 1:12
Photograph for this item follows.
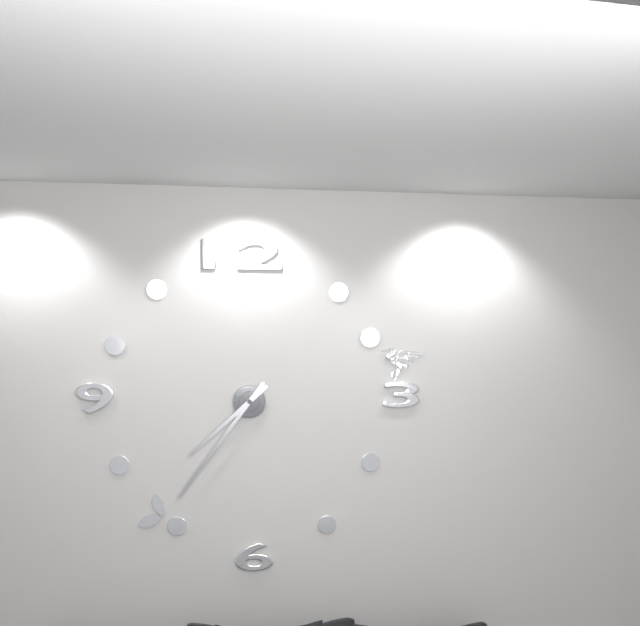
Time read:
7:36
